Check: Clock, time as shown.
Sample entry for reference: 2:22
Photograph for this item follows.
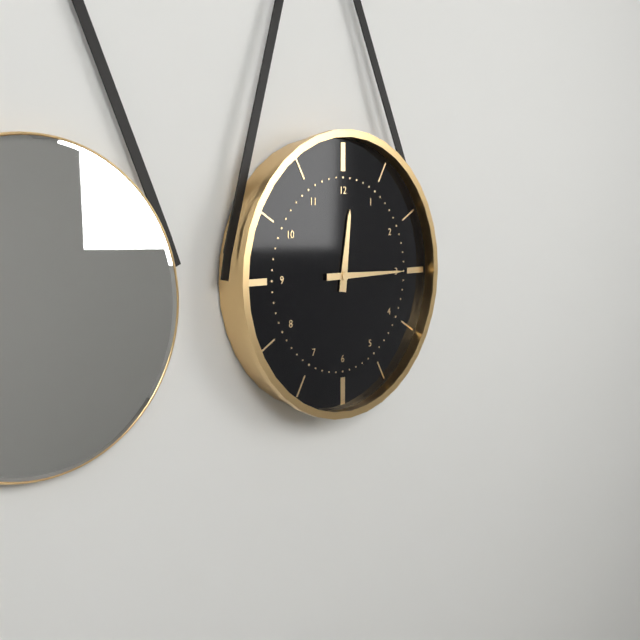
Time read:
12:15
